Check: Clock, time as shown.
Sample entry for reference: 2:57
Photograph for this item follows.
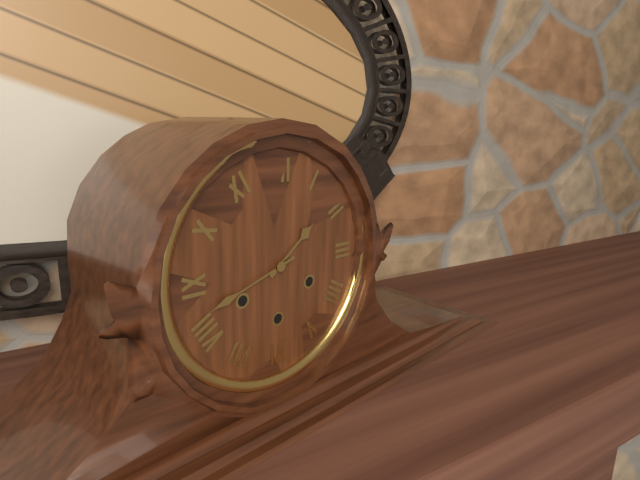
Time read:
1:42
